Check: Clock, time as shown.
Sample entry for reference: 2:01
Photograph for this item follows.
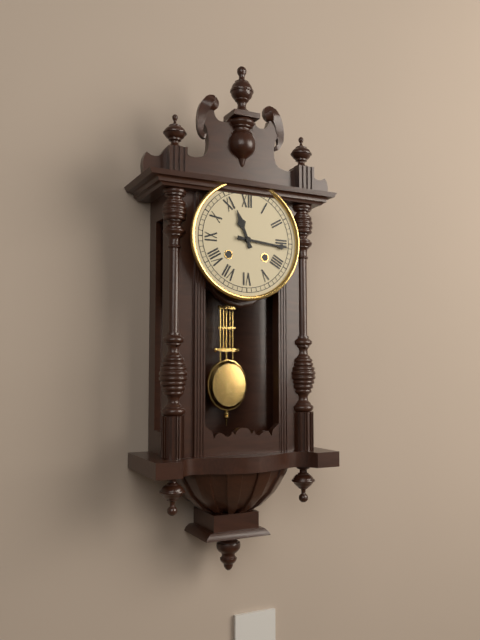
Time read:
11:16
